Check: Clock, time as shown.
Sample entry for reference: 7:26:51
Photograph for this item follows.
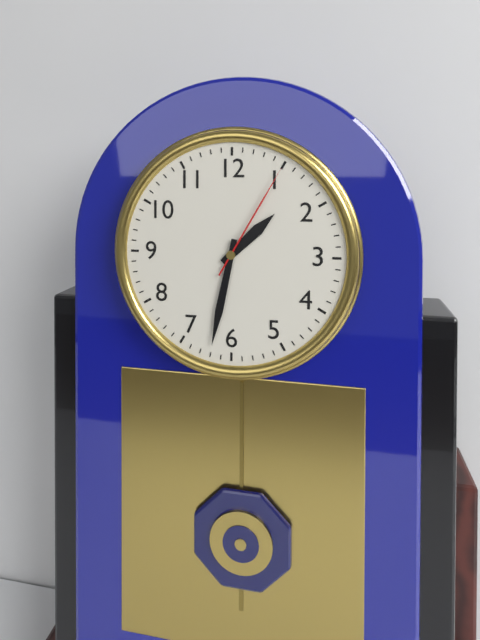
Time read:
1:32:05
